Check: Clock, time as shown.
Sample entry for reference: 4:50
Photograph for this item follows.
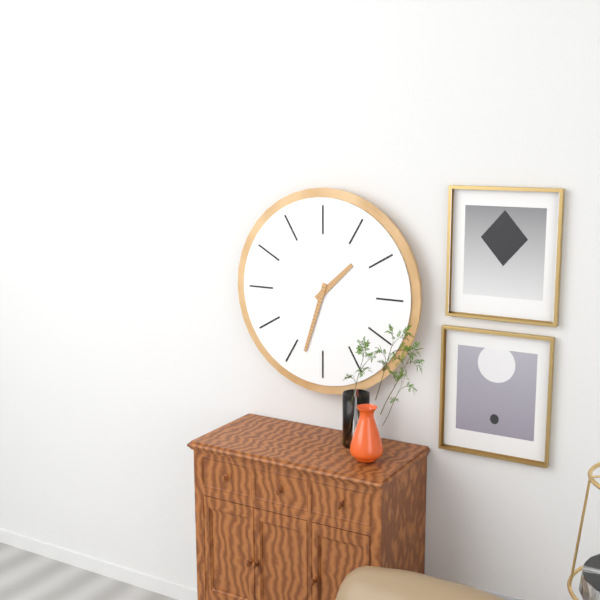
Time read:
1:33
